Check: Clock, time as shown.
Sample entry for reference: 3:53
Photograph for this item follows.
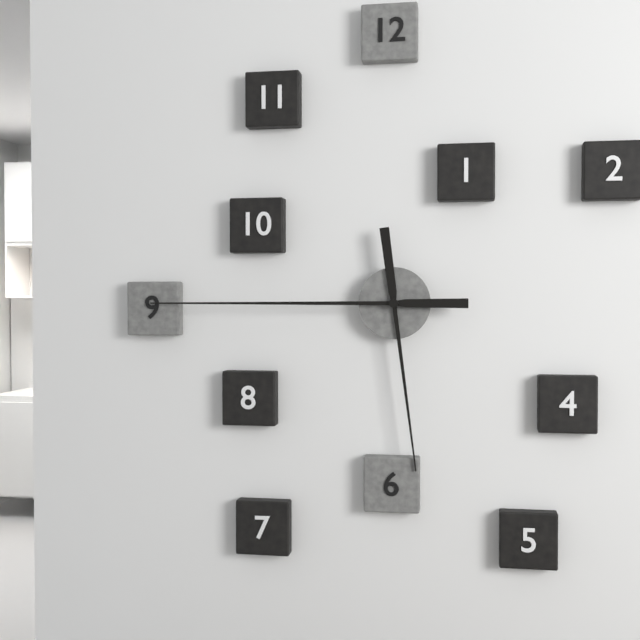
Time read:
5:45
